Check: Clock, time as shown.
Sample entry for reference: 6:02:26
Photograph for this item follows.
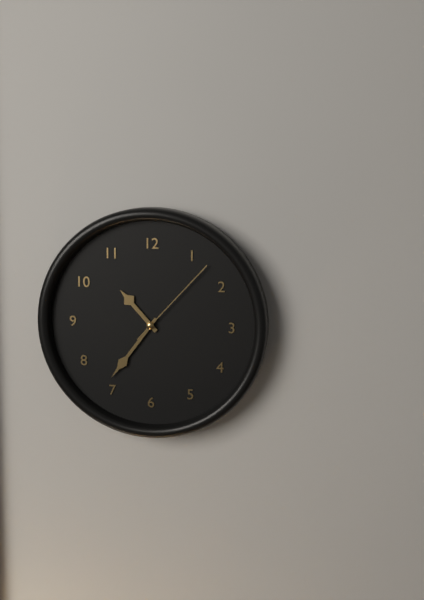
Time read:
10:36:07
